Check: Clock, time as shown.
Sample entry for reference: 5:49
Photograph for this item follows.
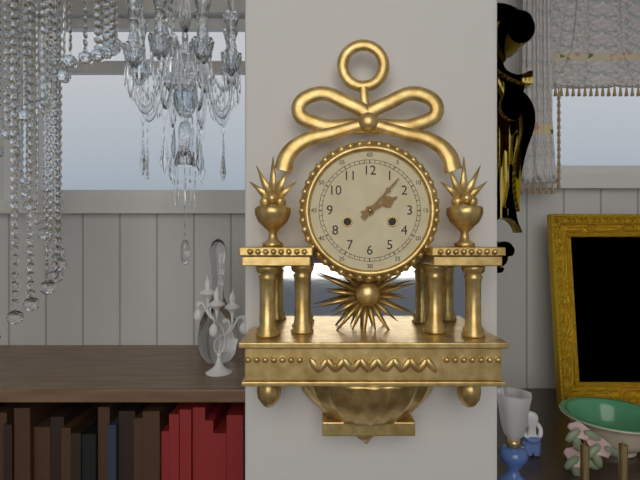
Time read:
2:07
